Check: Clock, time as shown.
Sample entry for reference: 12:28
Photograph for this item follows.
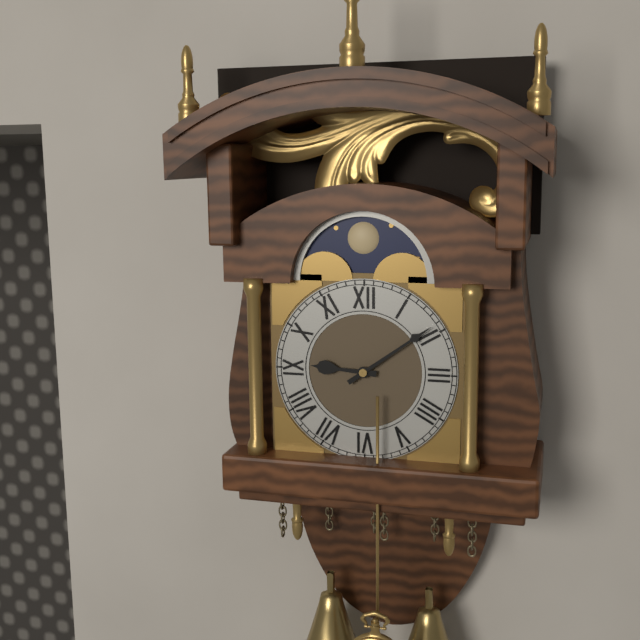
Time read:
9:09
